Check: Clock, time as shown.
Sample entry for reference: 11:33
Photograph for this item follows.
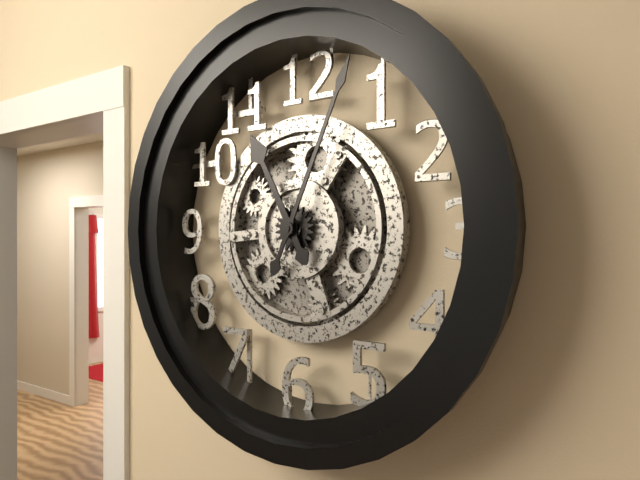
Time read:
11:04
